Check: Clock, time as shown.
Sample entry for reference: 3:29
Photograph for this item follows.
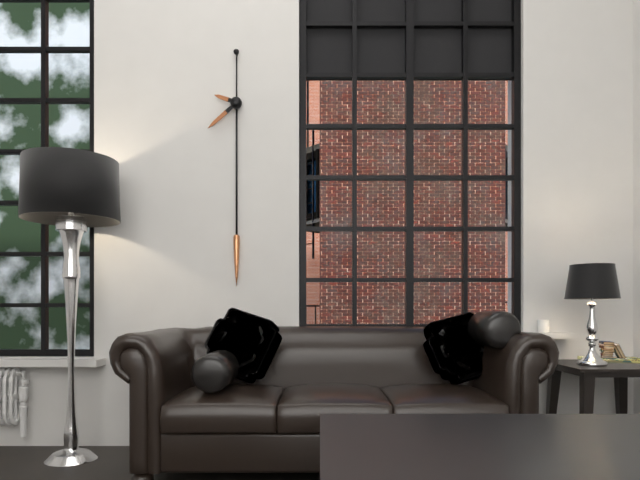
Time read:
9:38
